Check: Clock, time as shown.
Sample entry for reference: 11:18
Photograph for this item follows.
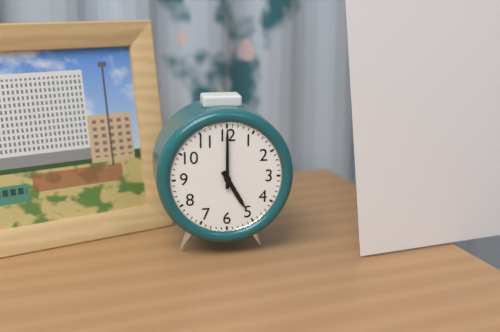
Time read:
5:00
